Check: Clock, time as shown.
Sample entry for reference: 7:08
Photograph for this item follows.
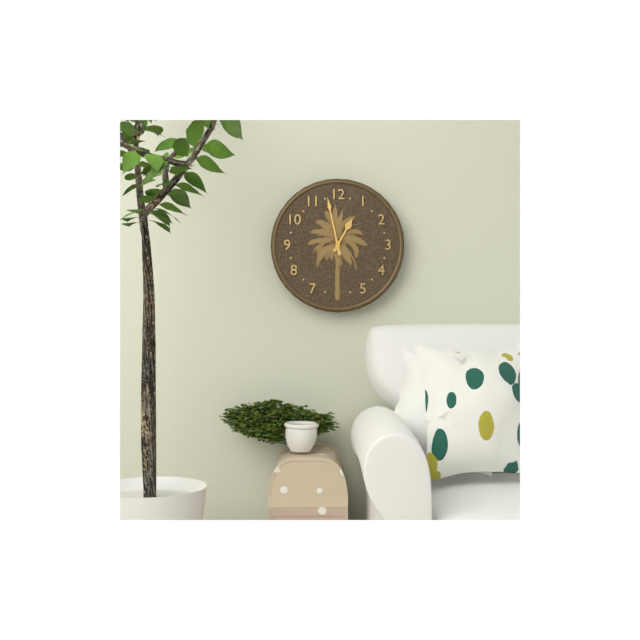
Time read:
12:58
